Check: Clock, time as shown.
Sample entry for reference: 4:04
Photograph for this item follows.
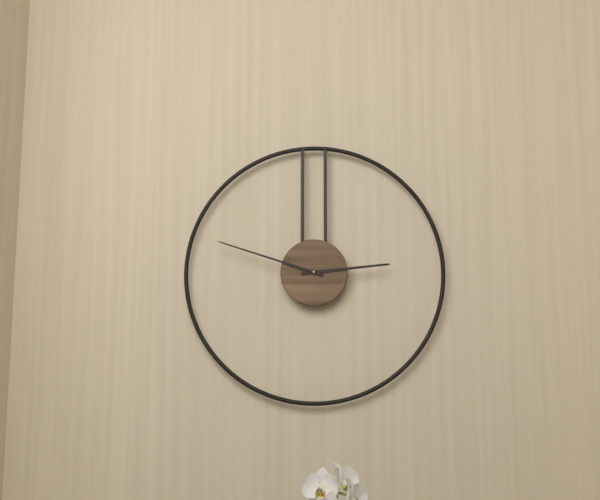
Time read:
2:48
